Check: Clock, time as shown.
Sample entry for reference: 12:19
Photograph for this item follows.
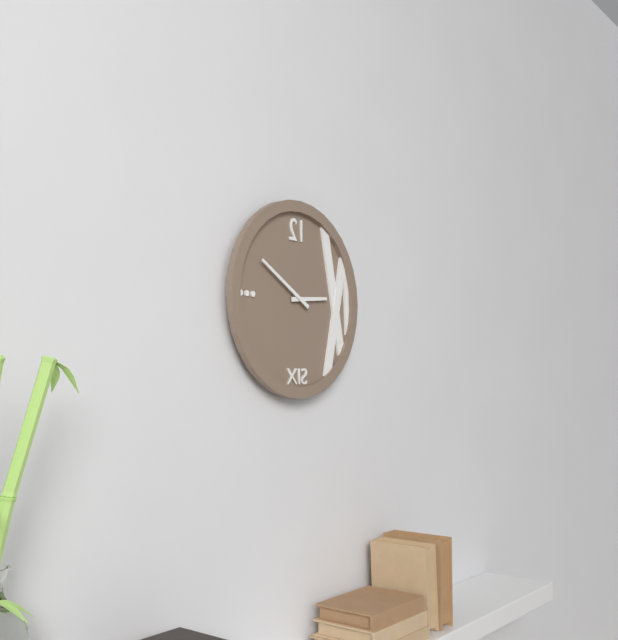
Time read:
2:50
